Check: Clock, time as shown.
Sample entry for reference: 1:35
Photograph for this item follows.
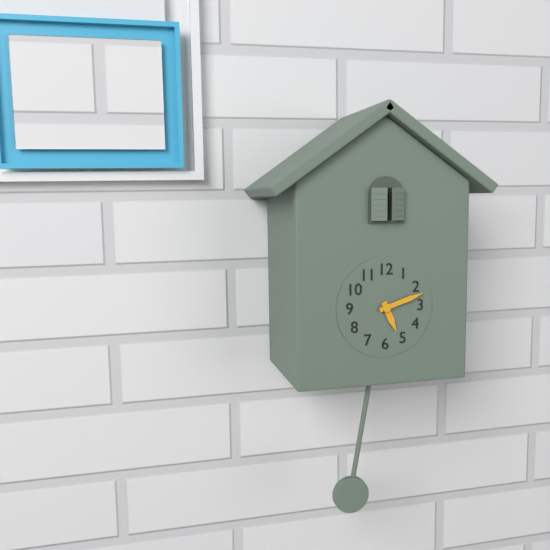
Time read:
5:12
